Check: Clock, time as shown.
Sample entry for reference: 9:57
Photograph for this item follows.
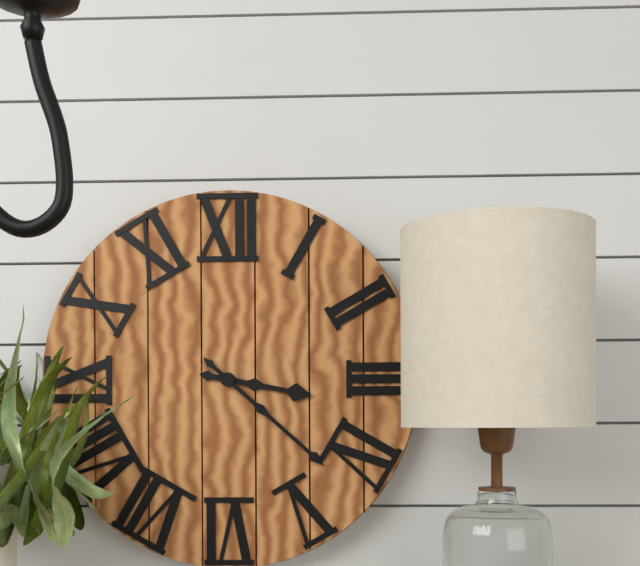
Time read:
3:22
